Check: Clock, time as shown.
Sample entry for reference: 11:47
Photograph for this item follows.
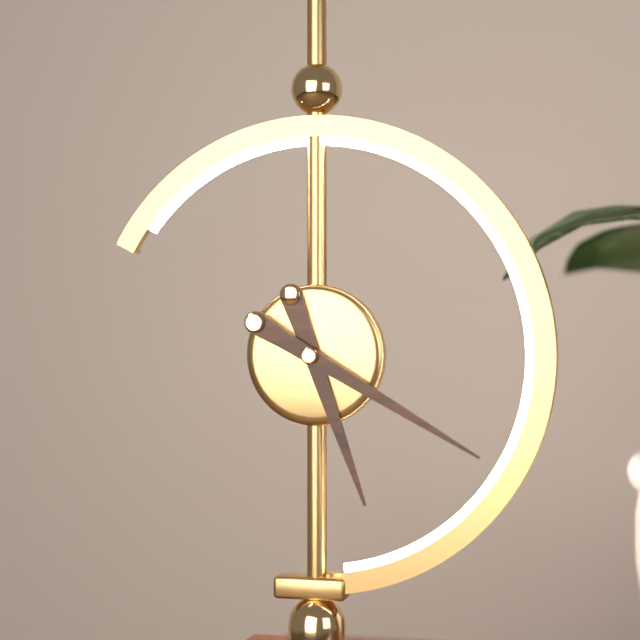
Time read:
5:20
